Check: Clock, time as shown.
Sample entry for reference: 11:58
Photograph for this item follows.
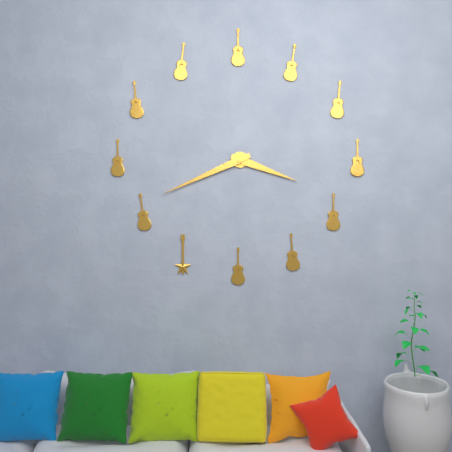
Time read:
3:41
